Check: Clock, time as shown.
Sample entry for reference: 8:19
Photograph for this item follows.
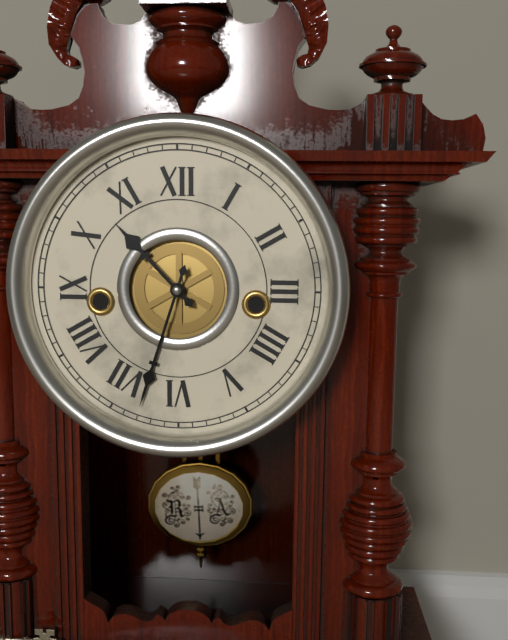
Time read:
10:33
